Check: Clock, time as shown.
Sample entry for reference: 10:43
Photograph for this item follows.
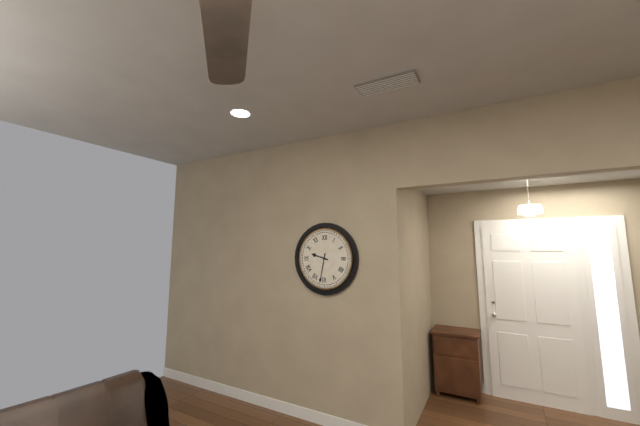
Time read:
9:32
